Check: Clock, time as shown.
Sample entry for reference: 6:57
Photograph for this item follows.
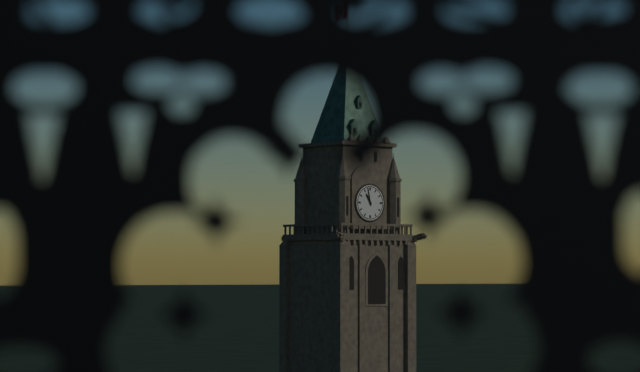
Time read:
10:58
